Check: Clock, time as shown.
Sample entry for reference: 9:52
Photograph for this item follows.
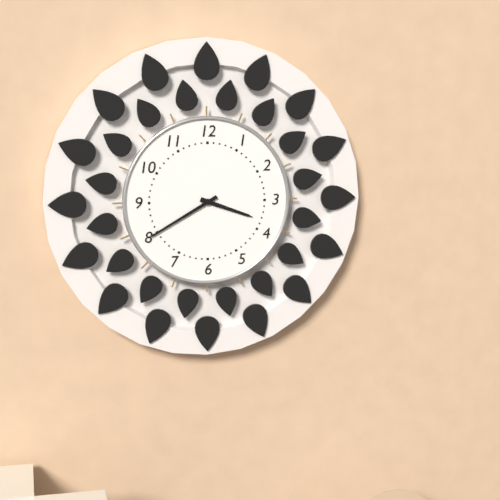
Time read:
3:40
